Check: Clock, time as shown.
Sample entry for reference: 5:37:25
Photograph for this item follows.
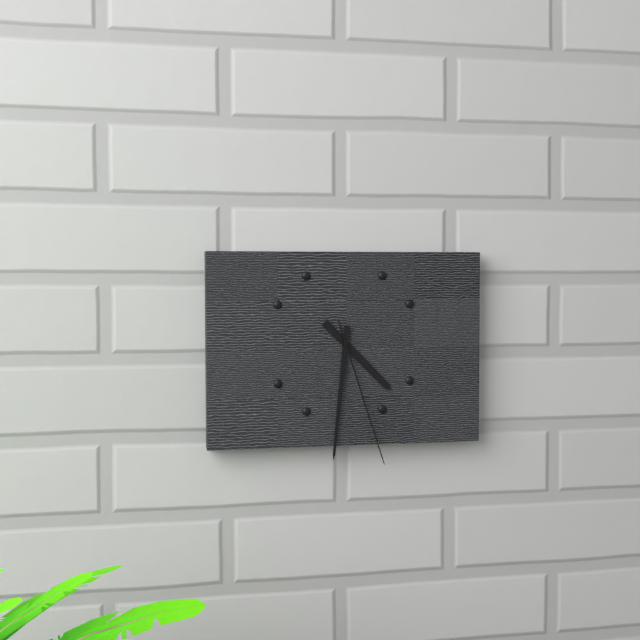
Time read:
4:31:27
